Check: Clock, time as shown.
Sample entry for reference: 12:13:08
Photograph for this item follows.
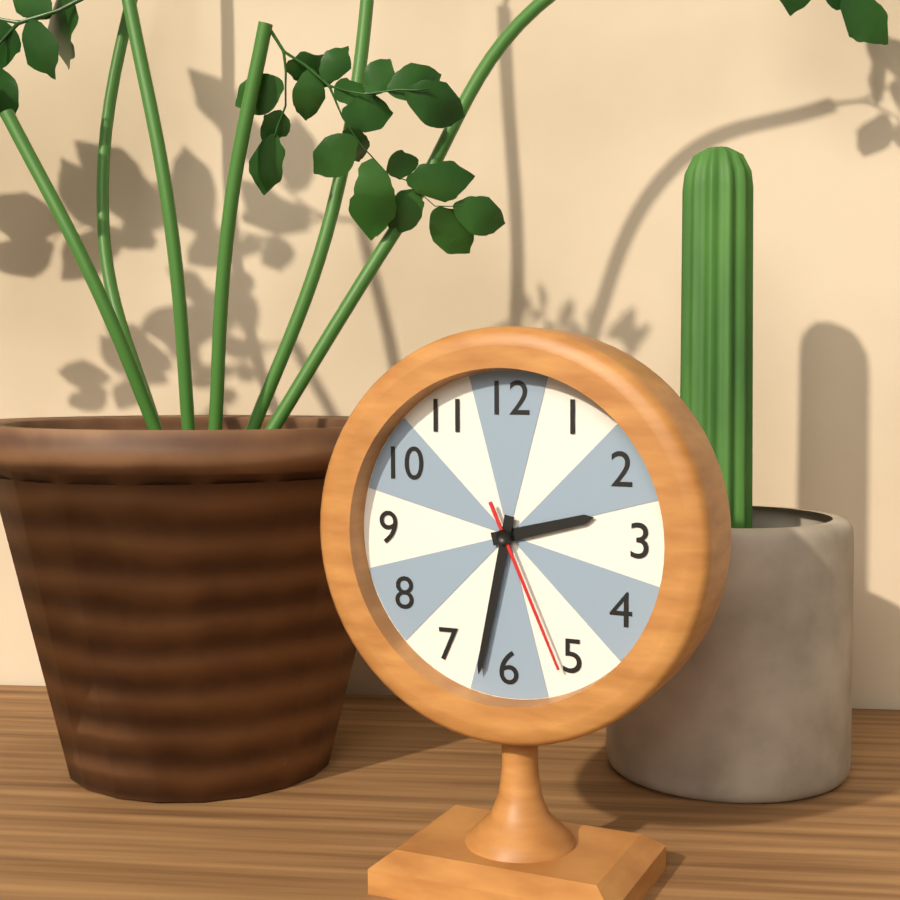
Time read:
2:32:26
